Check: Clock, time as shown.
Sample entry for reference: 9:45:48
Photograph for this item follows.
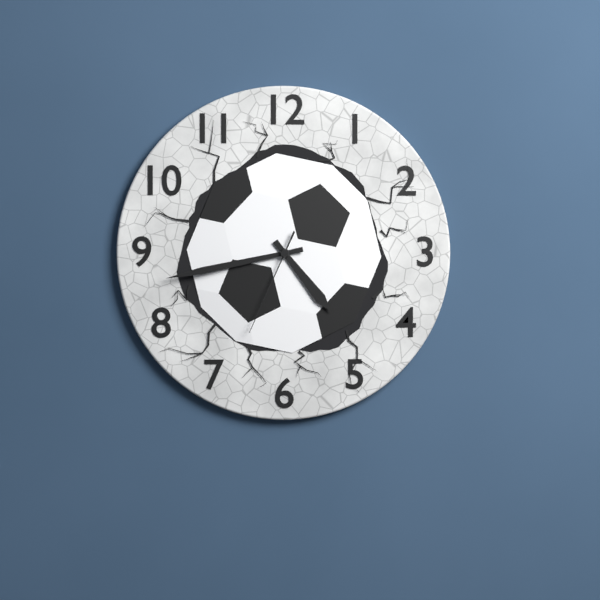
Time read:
4:43:34
